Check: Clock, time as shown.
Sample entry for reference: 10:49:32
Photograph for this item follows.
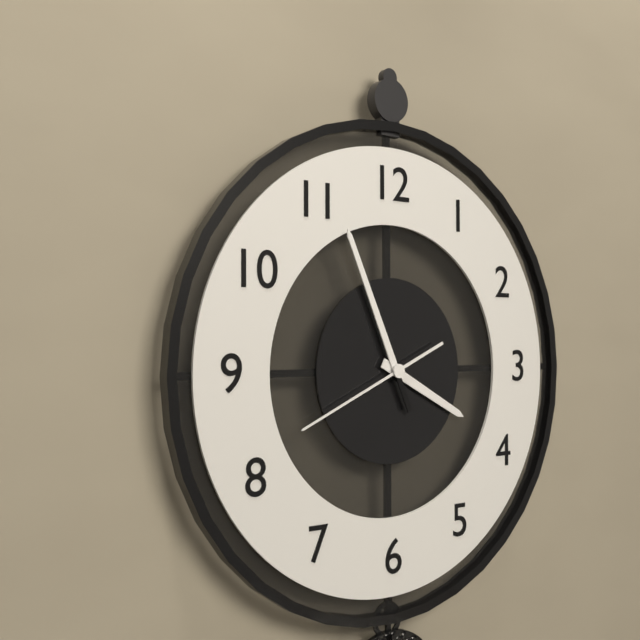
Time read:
3:56:41
